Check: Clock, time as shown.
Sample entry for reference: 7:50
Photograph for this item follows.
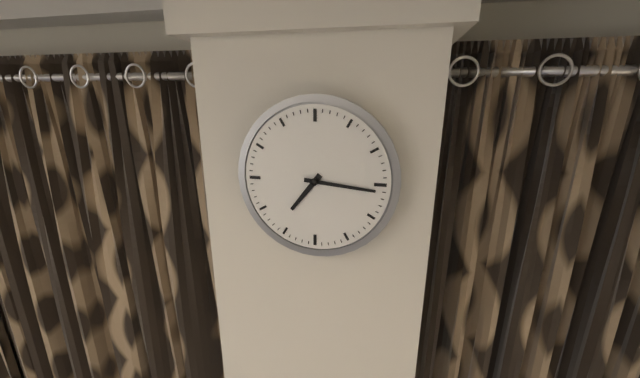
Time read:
7:16
